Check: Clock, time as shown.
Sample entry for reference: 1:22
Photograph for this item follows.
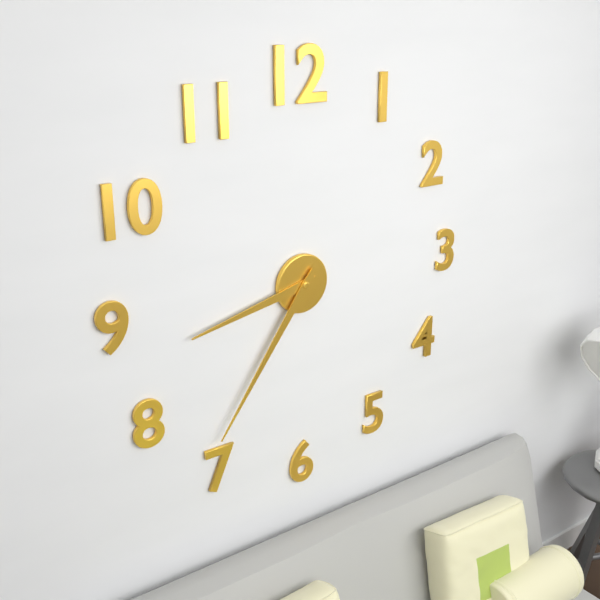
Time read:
8:36
